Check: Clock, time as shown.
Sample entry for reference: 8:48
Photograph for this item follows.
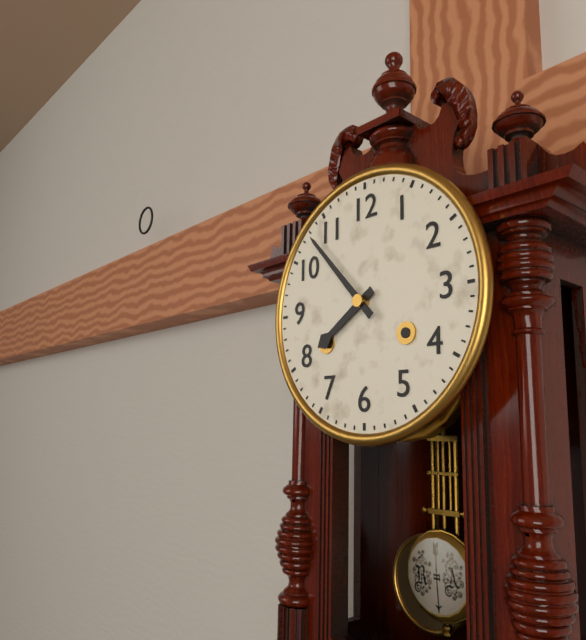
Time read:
7:53
